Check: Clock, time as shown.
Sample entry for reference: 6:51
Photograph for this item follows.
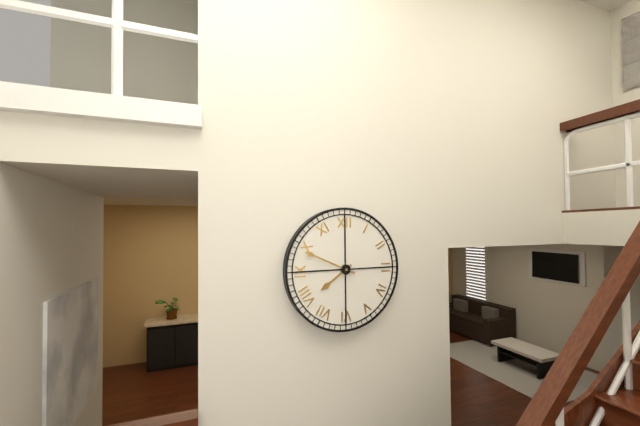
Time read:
7:49
